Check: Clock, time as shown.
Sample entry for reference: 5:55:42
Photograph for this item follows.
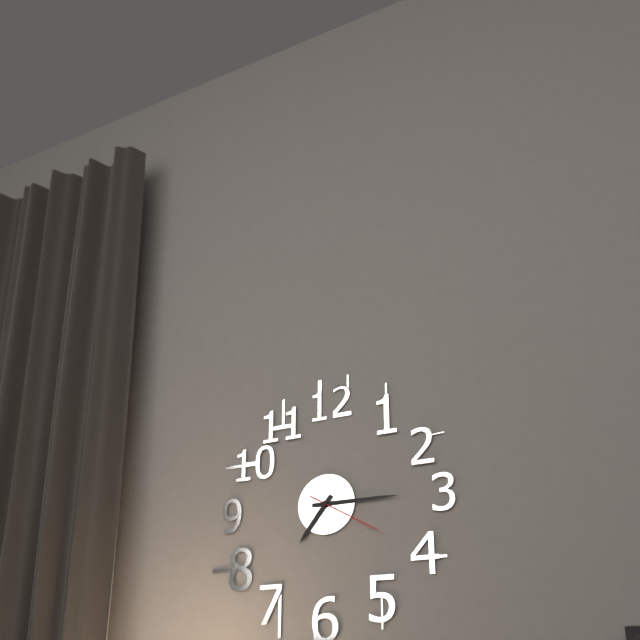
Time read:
7:15:20
